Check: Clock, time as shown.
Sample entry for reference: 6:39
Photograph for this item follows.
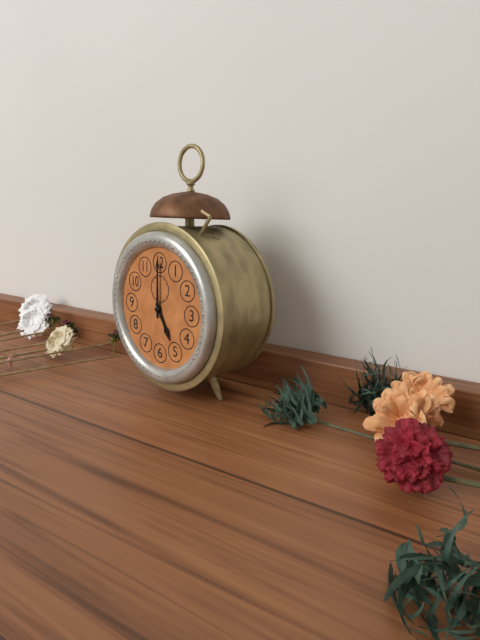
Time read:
5:00
